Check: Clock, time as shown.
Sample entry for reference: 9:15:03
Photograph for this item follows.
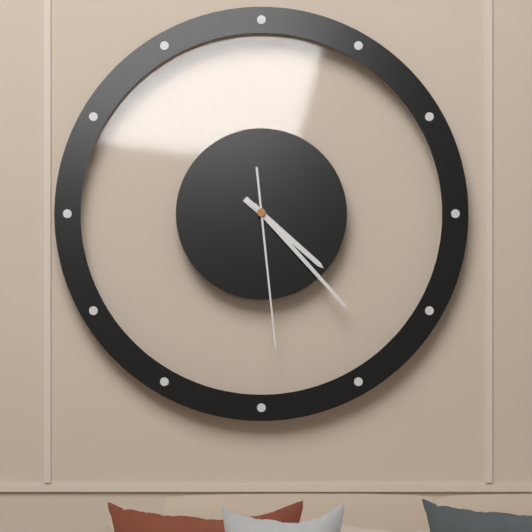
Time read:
4:23:29
